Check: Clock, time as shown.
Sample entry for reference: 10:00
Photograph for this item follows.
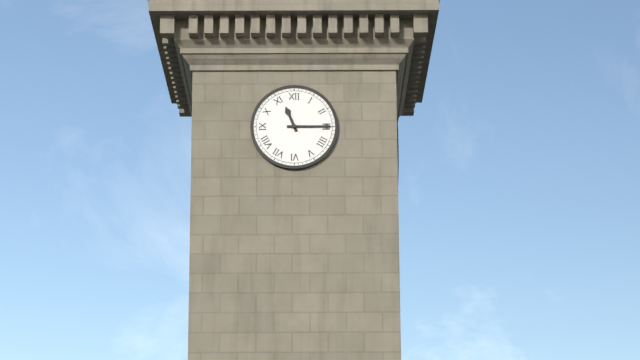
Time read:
11:15
